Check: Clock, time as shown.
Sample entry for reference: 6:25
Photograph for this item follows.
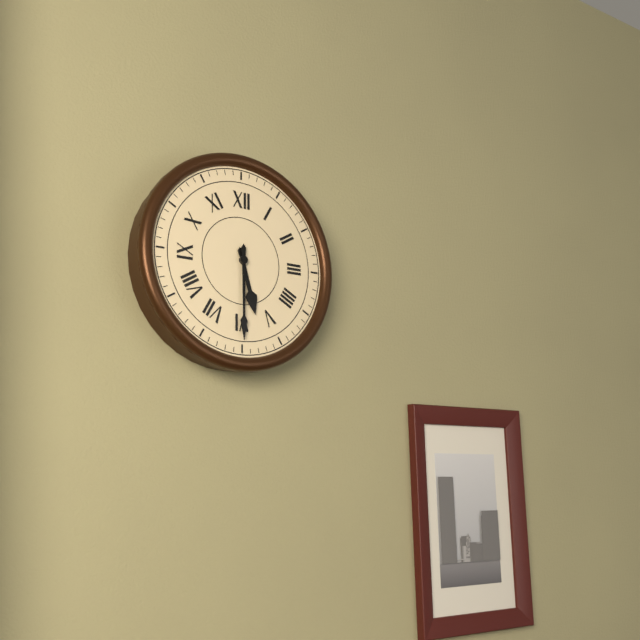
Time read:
5:30
